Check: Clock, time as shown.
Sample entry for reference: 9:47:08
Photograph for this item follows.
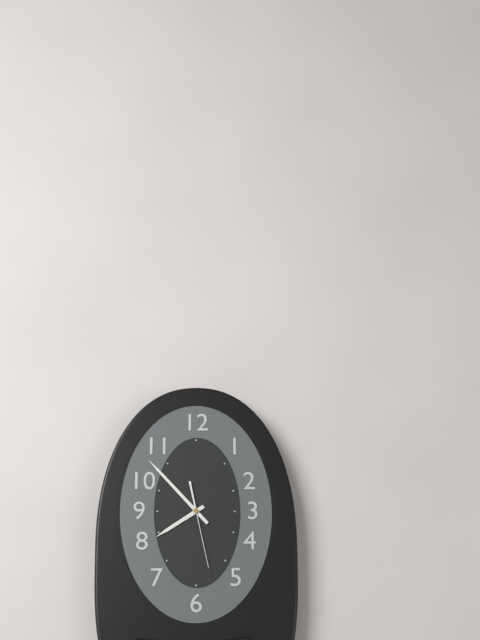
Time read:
7:53:28
